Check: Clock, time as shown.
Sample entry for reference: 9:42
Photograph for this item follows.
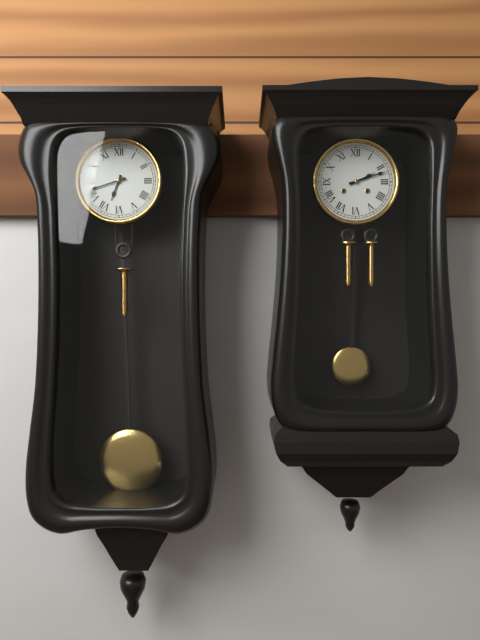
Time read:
6:42
